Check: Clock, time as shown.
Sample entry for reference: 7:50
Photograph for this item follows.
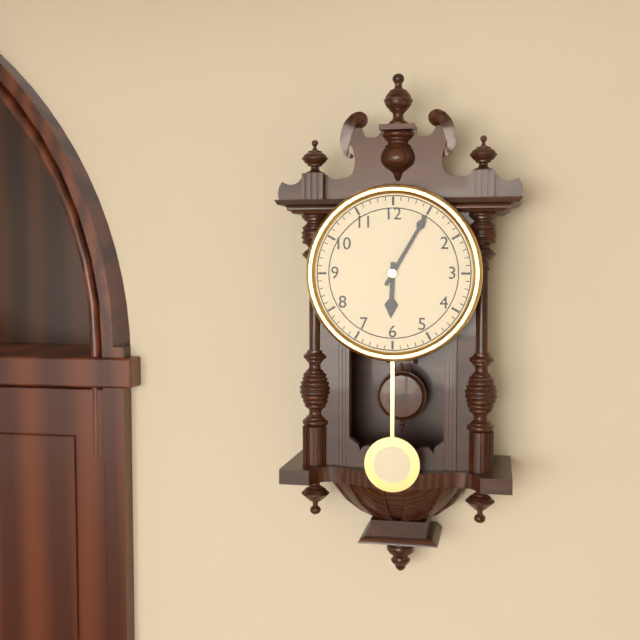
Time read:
6:05
